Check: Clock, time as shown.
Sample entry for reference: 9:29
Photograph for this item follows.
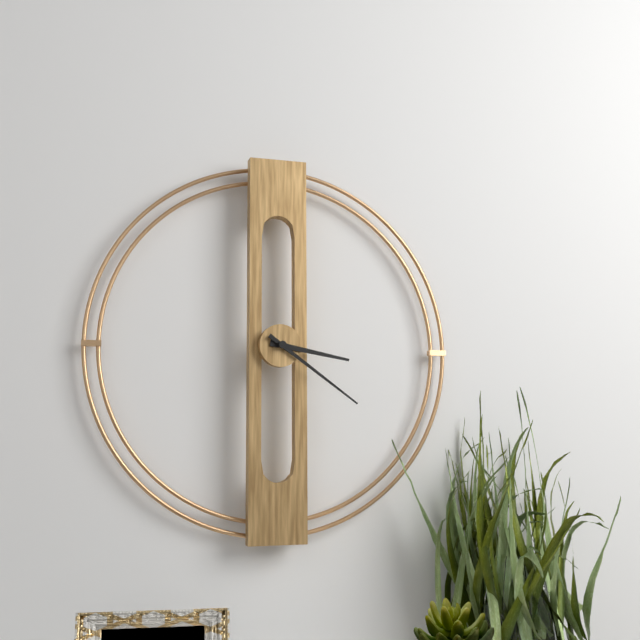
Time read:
3:21
